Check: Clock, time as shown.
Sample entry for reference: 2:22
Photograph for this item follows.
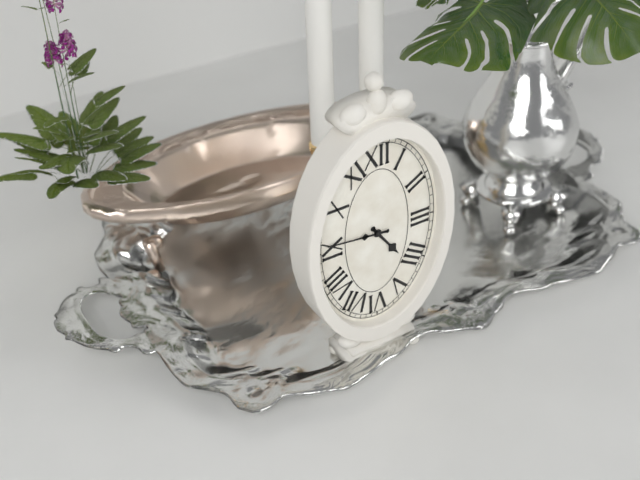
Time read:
4:46
